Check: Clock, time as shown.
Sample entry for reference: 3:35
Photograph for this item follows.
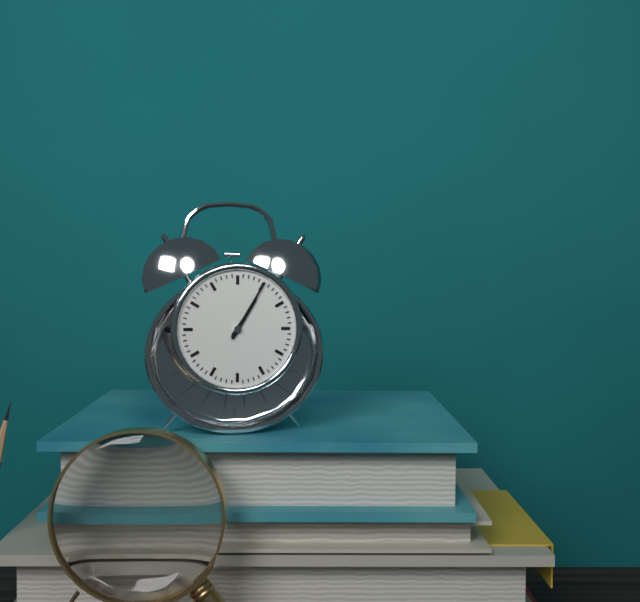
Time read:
1:05
